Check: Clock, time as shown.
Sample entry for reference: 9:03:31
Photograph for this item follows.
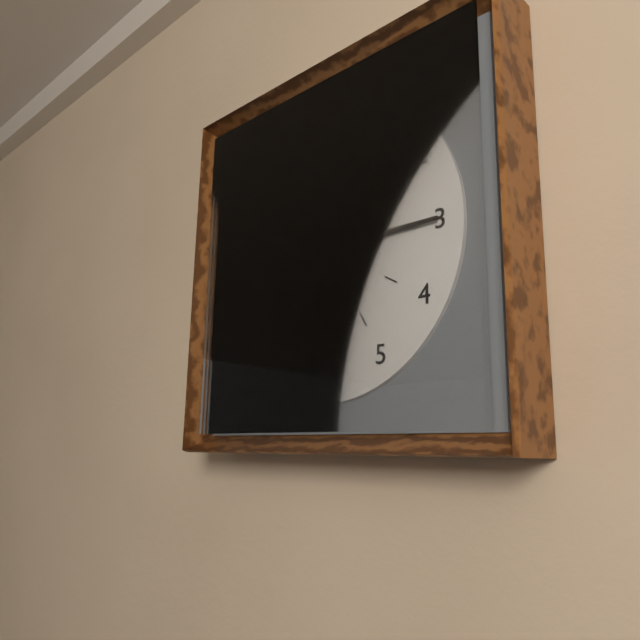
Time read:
12:15:49
